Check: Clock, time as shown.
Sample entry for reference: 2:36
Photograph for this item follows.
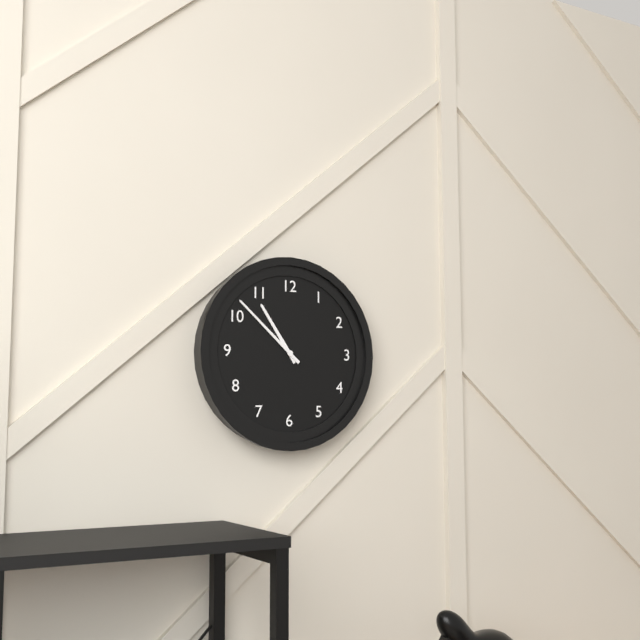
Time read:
10:52
